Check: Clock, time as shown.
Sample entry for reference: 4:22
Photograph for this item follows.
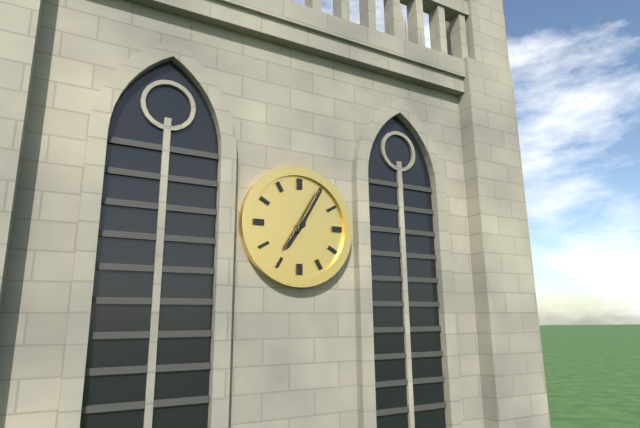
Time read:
7:05
